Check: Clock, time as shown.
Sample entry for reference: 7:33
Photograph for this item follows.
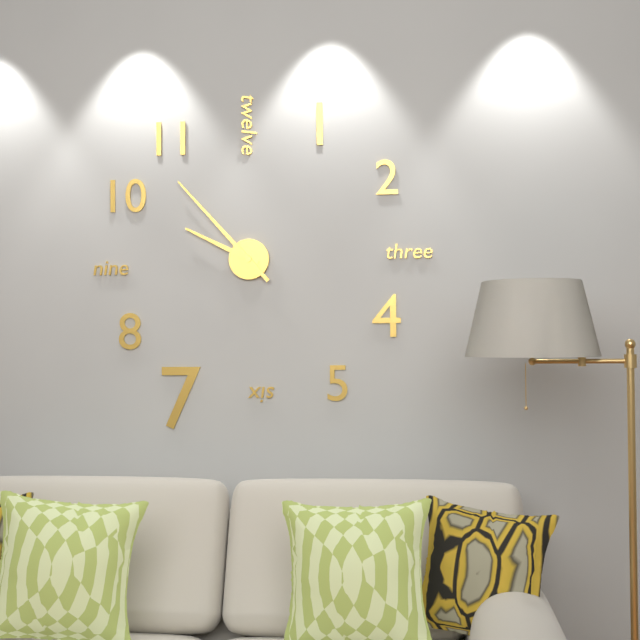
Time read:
9:53
